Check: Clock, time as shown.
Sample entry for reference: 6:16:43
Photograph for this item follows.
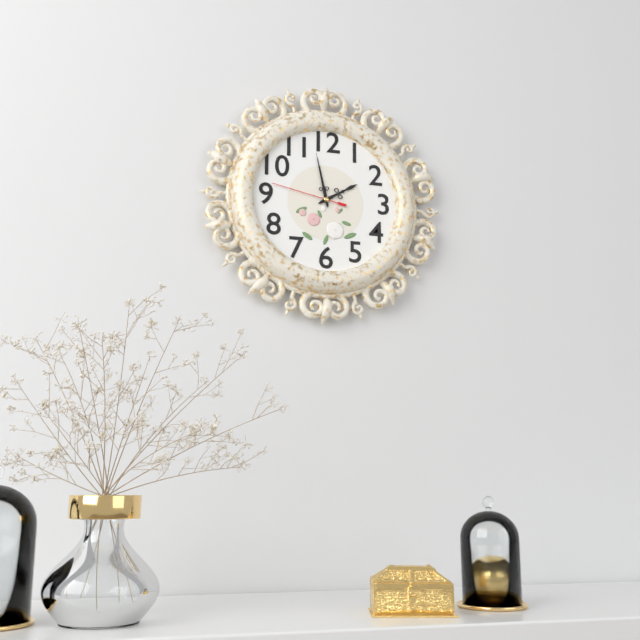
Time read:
1:58:47
